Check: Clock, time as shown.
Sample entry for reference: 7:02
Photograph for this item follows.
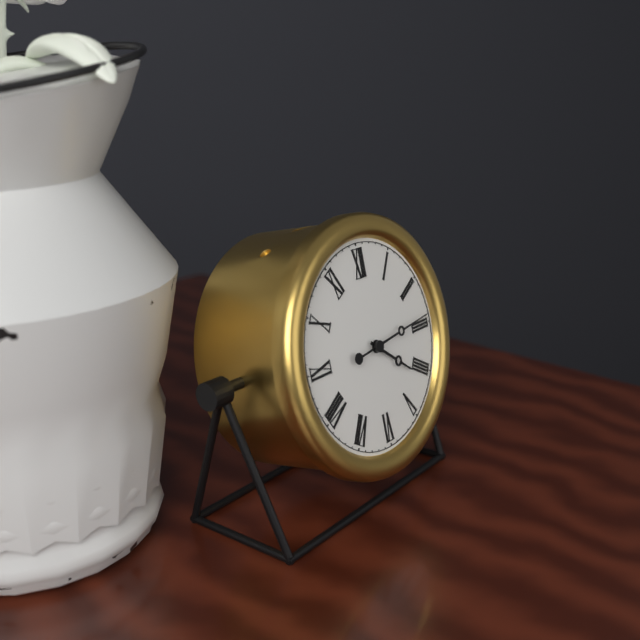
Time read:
4:14
